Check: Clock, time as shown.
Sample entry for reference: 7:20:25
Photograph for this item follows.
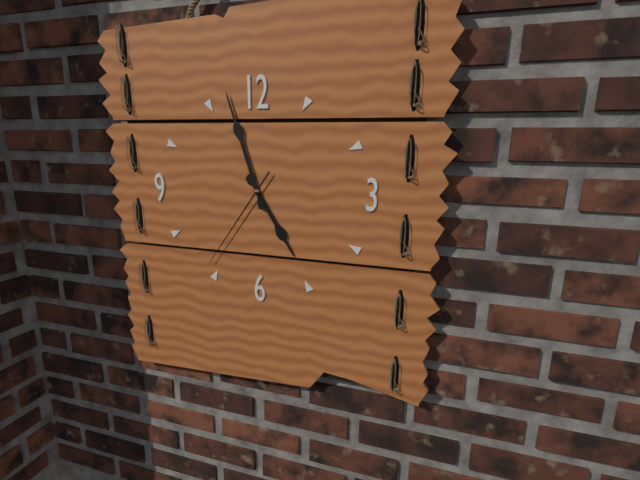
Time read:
4:57:36
